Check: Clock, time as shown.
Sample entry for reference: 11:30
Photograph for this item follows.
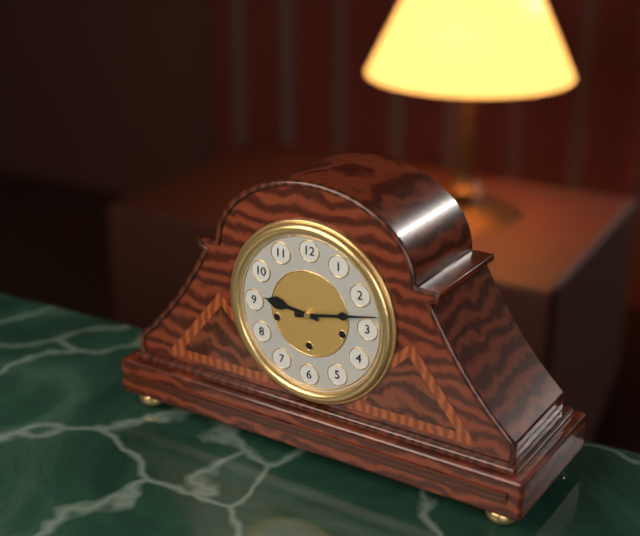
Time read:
9:13
